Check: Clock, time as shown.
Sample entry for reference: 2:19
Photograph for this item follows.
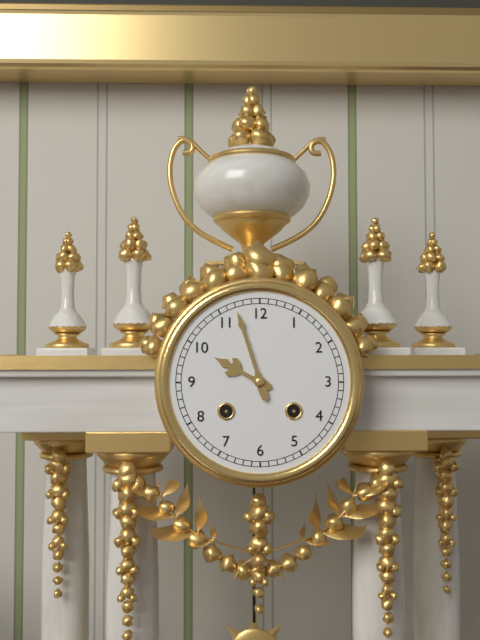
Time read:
9:57
